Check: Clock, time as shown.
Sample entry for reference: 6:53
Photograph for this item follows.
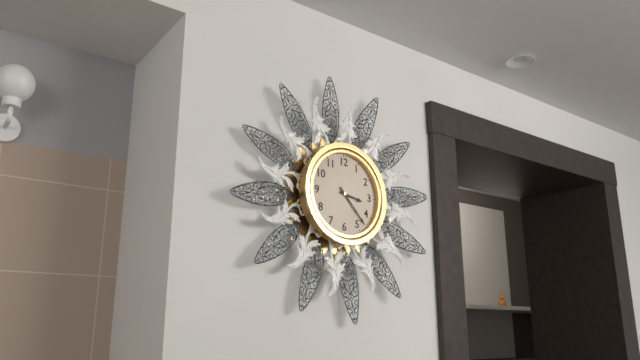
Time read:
3:23
